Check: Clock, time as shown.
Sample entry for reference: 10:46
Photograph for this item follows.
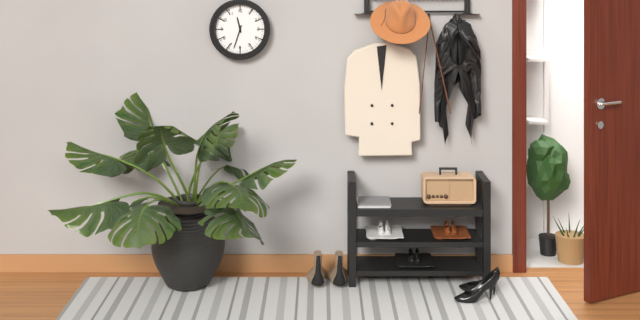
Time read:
11:33
